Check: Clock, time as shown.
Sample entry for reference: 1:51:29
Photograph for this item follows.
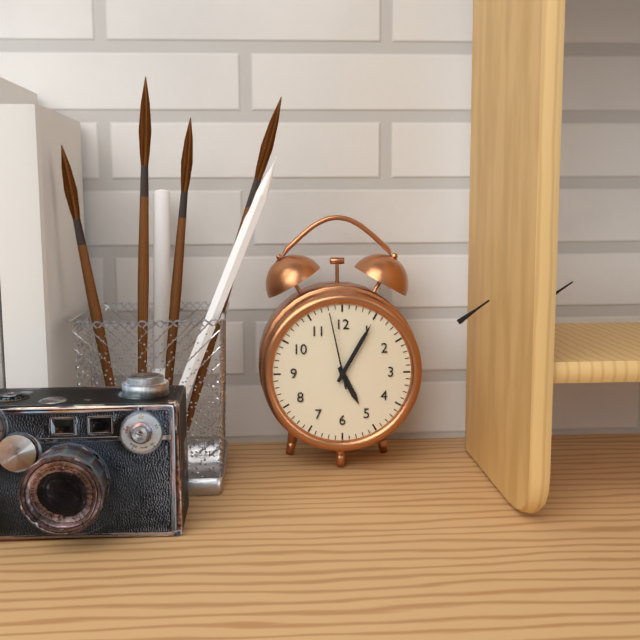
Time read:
5:05:58
